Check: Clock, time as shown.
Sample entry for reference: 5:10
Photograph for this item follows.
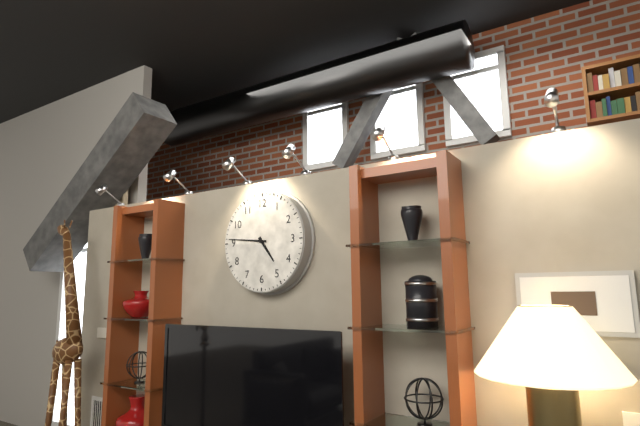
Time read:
4:46
